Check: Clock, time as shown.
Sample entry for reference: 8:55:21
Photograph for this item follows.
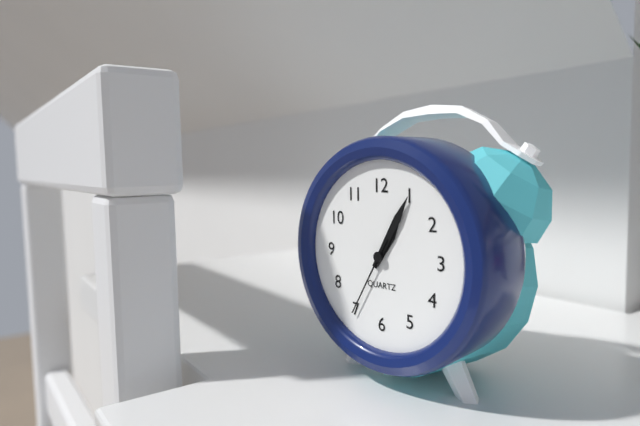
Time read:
1:05:35
